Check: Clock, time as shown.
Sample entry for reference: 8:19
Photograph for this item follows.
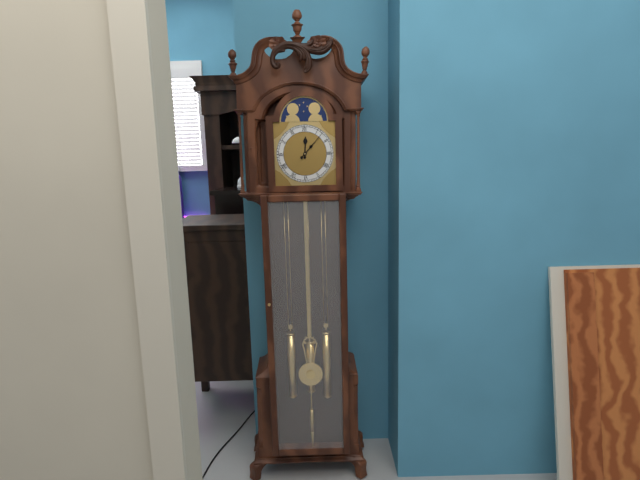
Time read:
12:07
